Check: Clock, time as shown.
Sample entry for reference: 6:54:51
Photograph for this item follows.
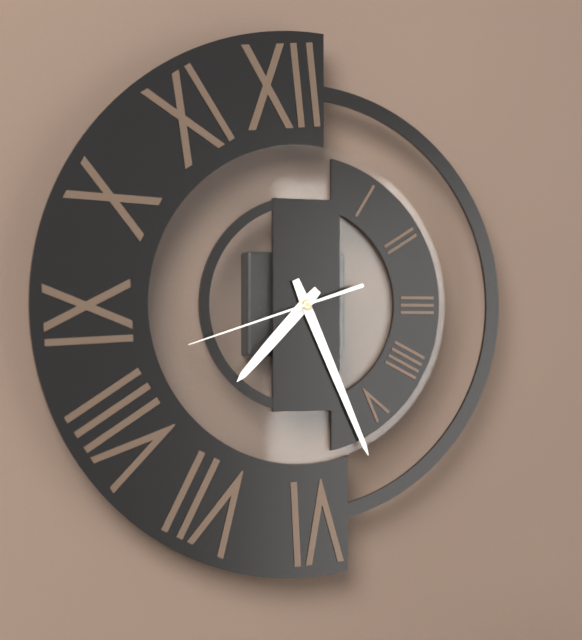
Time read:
7:26:42
